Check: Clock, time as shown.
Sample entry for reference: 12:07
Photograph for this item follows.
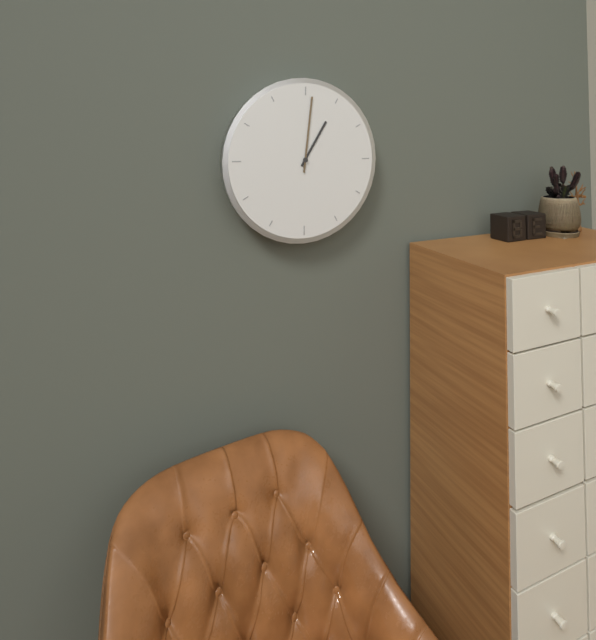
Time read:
1:01
